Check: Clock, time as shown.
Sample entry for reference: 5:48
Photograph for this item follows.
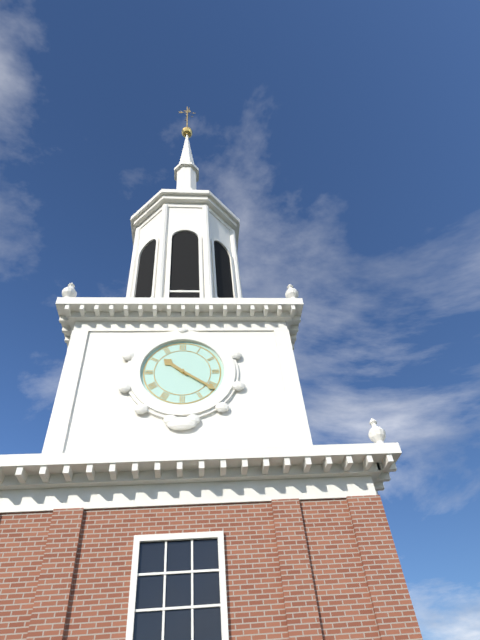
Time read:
10:21
